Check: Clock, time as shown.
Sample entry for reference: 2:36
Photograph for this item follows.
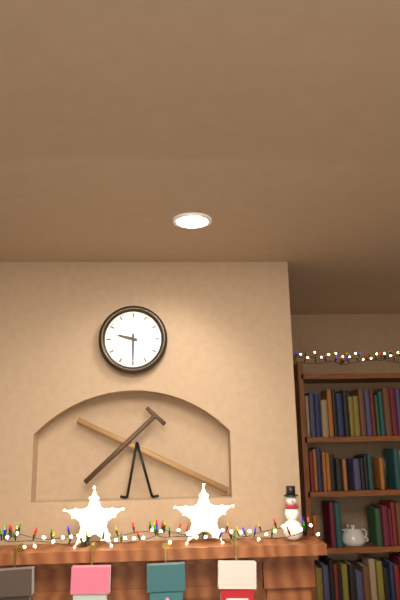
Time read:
9:30
